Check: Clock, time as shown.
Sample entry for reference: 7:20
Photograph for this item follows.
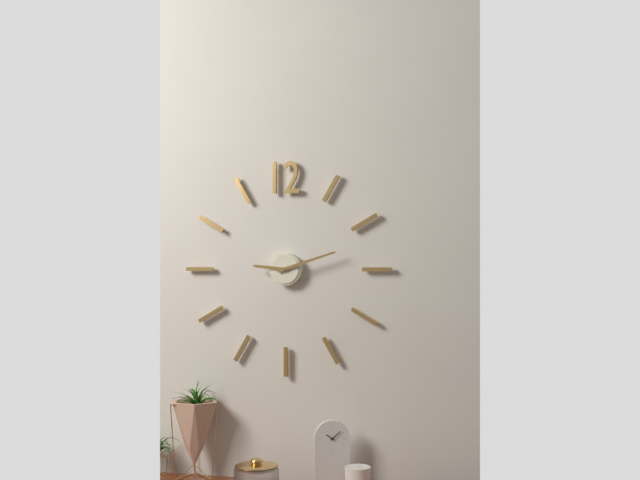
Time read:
9:12
